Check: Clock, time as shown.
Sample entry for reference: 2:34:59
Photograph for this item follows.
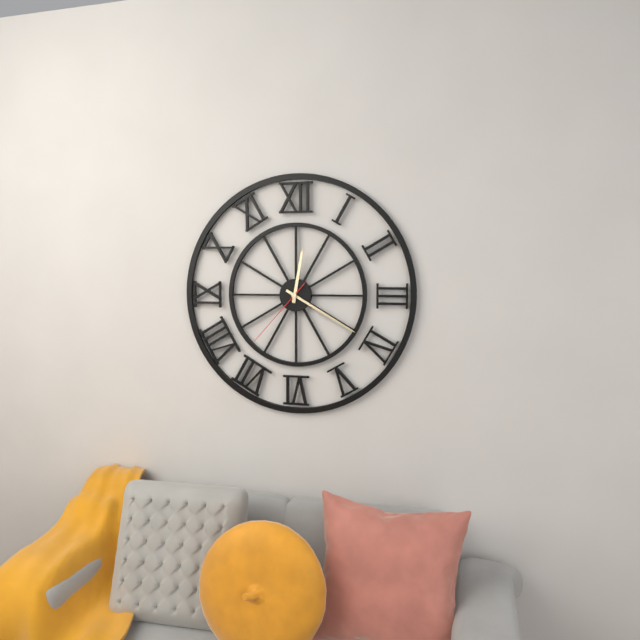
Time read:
12:20:37
